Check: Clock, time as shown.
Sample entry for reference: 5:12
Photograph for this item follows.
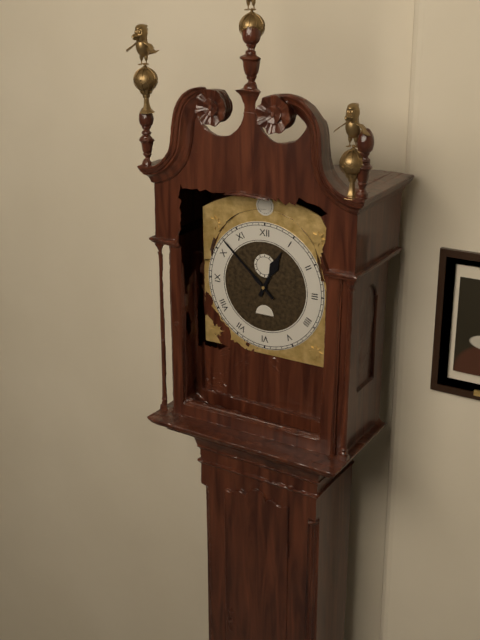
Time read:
12:52
